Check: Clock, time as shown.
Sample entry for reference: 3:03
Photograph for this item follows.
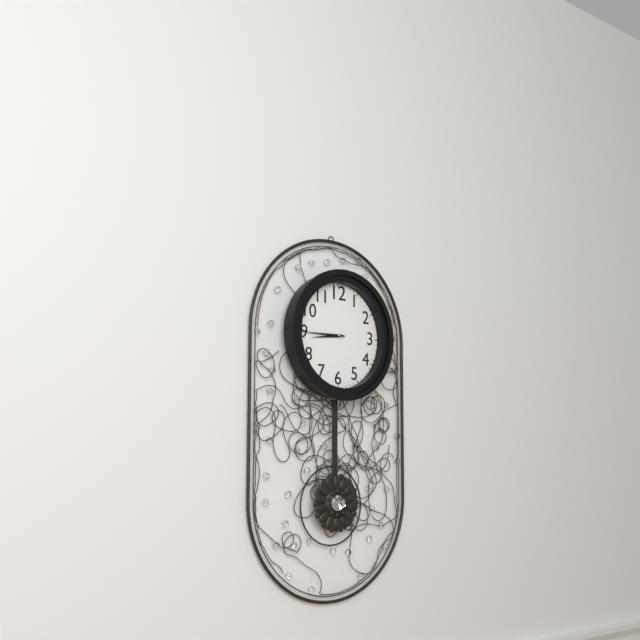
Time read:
8:45
